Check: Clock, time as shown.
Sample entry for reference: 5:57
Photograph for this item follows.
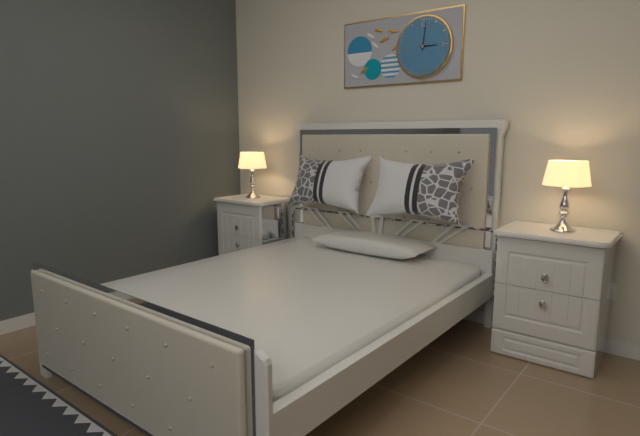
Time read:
3:01
